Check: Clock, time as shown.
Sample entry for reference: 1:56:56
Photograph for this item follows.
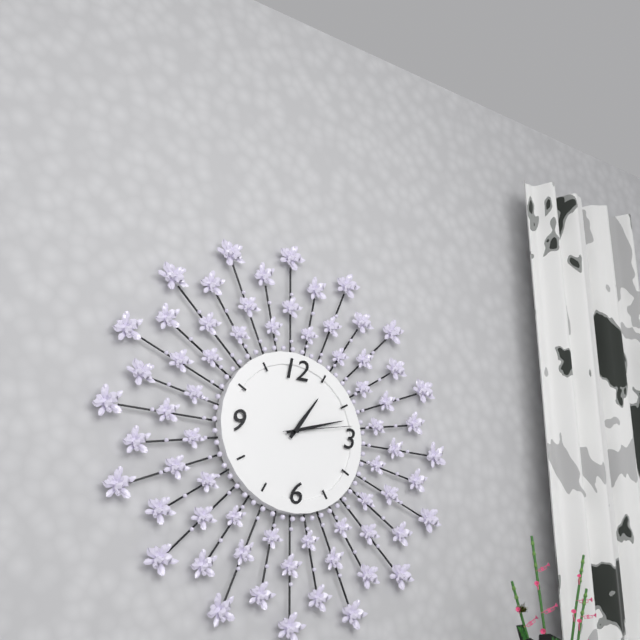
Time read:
1:12:13
